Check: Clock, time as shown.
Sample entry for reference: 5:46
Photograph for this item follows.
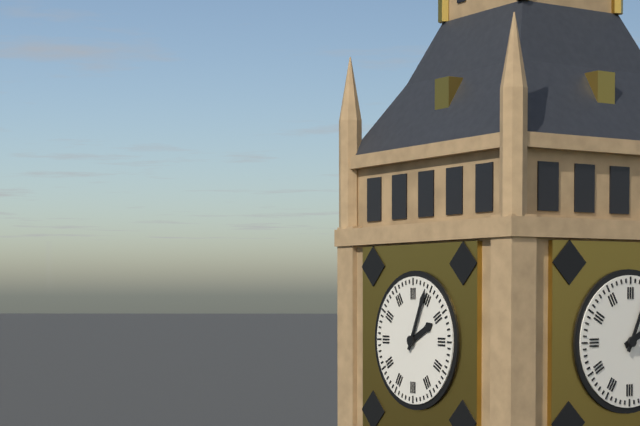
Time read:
2:04
